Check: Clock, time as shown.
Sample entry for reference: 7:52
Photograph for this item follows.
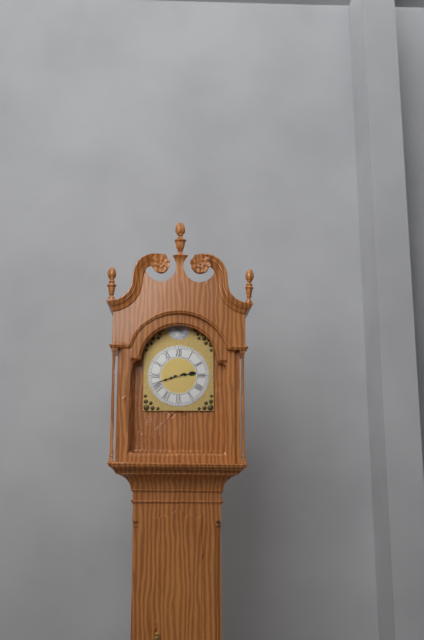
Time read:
2:42
